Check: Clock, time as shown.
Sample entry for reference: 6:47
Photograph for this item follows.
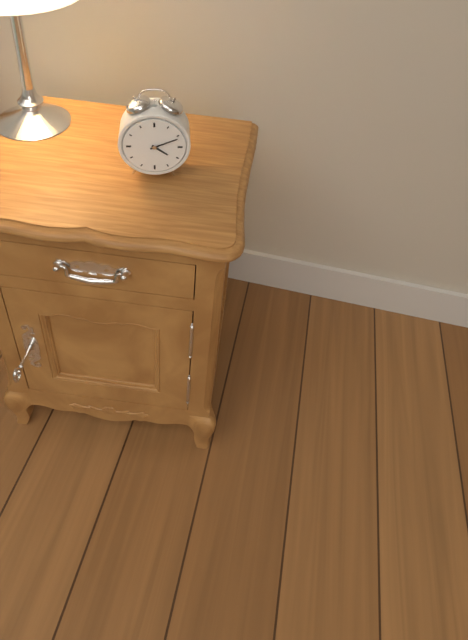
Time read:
4:11
